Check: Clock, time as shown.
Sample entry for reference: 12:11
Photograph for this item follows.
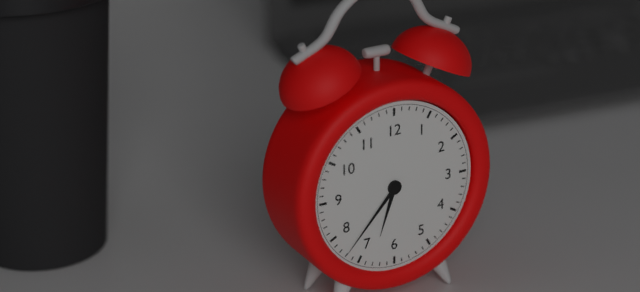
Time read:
6:37
